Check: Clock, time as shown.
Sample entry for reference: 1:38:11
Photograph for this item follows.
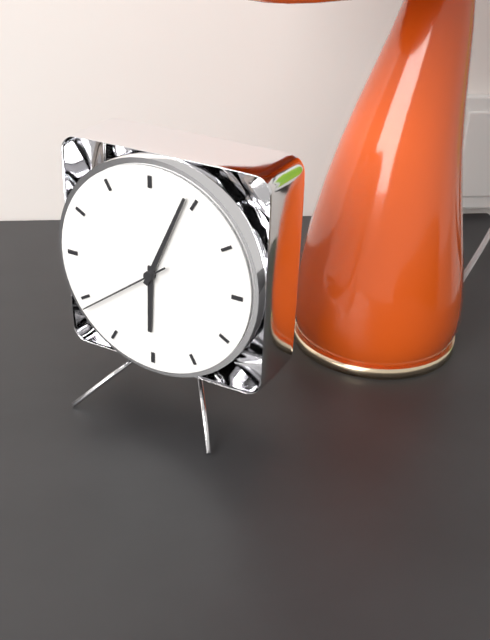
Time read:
6:04:39
